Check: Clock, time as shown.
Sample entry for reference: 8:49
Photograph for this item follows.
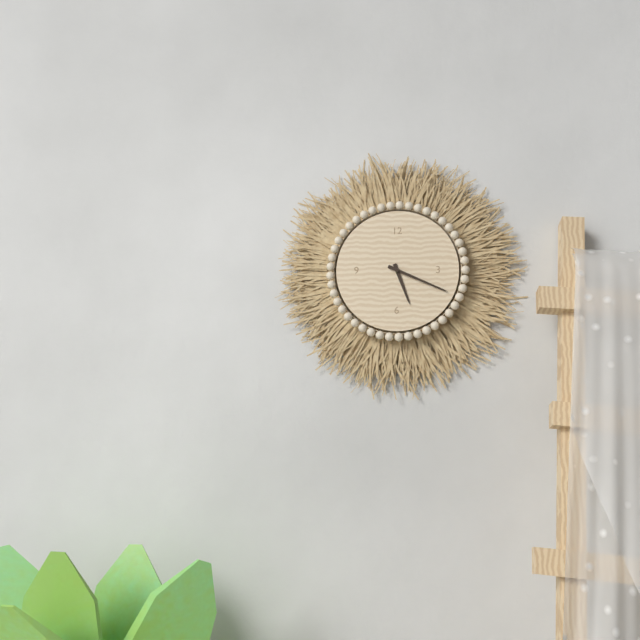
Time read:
5:19
